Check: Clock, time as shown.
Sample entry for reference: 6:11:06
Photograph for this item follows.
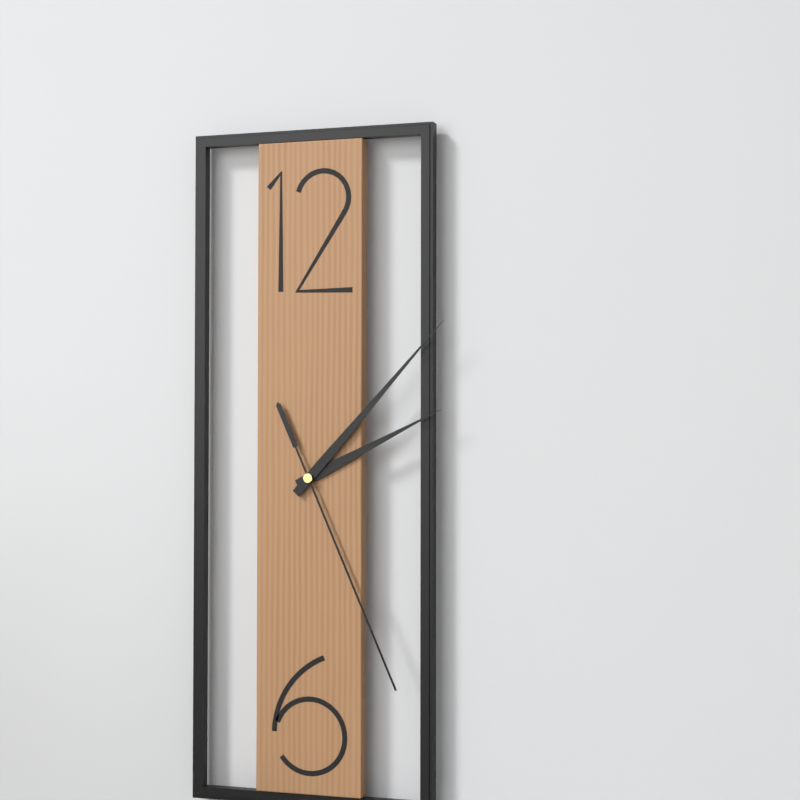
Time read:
2:07:26
